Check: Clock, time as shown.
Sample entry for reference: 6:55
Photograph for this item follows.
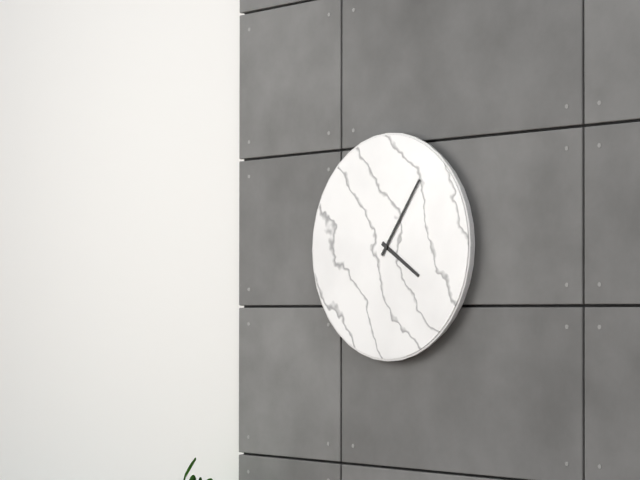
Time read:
4:06
